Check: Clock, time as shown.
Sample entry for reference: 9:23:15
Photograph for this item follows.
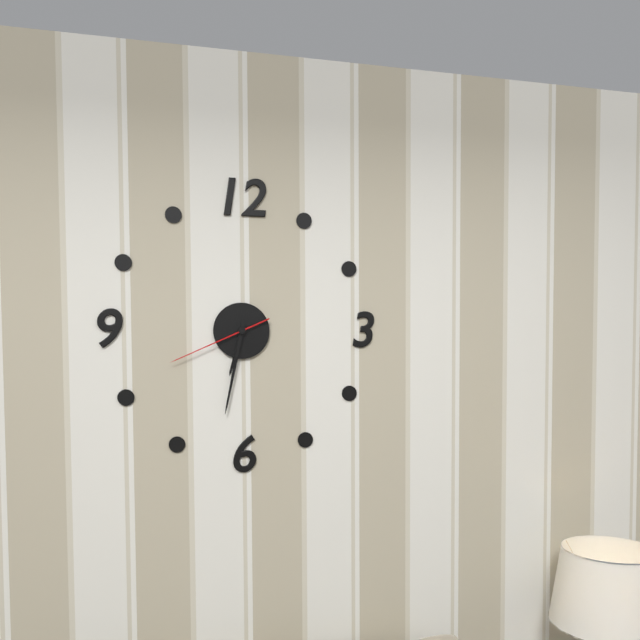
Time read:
6:32:41
